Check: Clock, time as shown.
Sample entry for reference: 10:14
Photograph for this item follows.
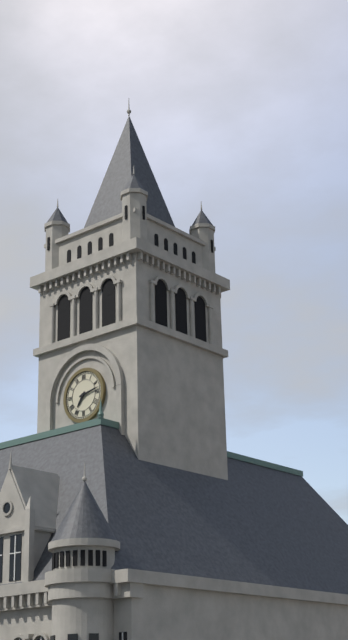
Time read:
7:13
